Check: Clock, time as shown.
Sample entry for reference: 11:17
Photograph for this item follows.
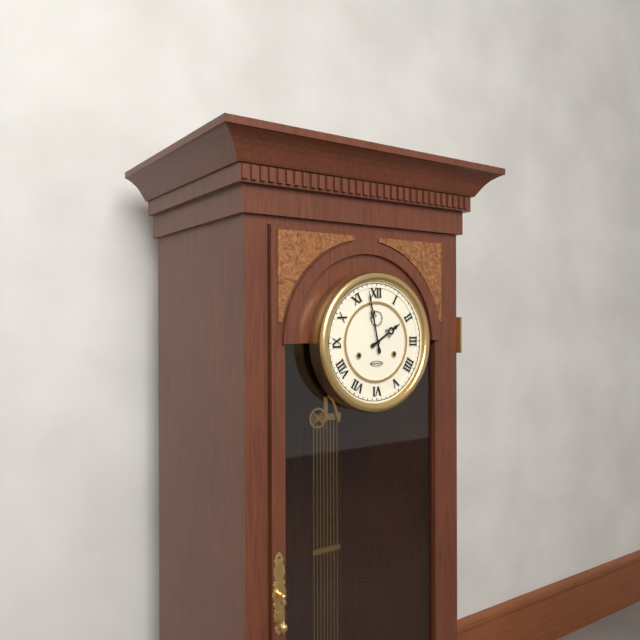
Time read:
1:58
